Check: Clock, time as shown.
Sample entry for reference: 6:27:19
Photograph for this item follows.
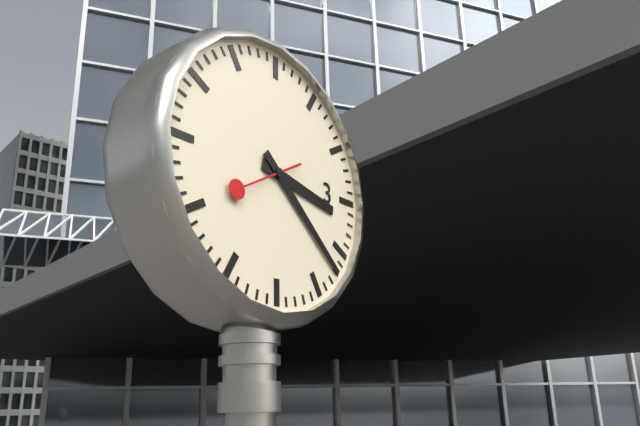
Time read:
3:22:40
